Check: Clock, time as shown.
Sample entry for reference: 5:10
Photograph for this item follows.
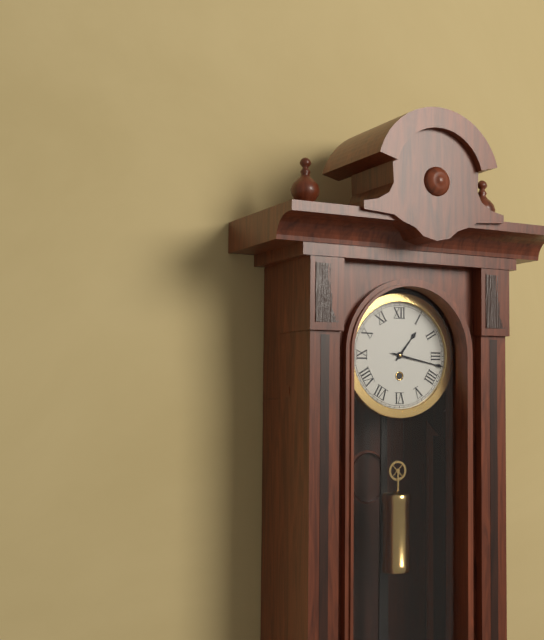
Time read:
1:17
